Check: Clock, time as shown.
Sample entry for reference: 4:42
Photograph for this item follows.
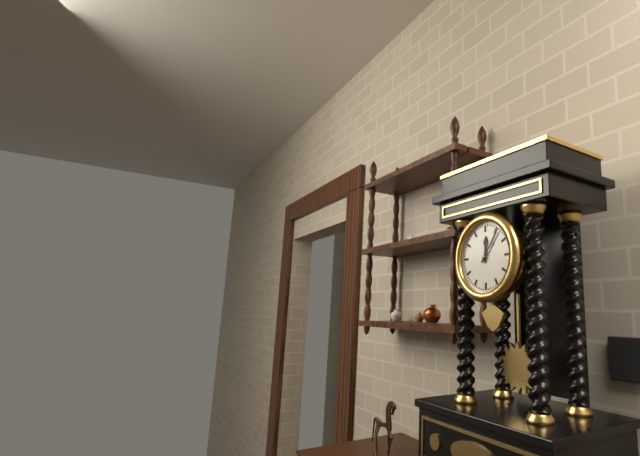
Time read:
12:06
